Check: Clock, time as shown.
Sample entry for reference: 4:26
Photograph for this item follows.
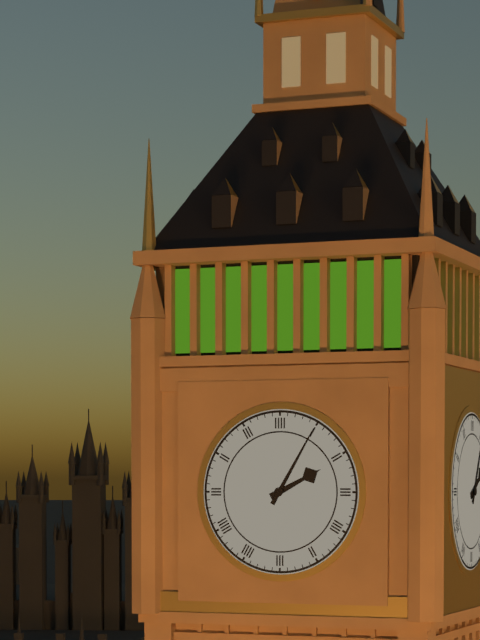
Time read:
2:05
